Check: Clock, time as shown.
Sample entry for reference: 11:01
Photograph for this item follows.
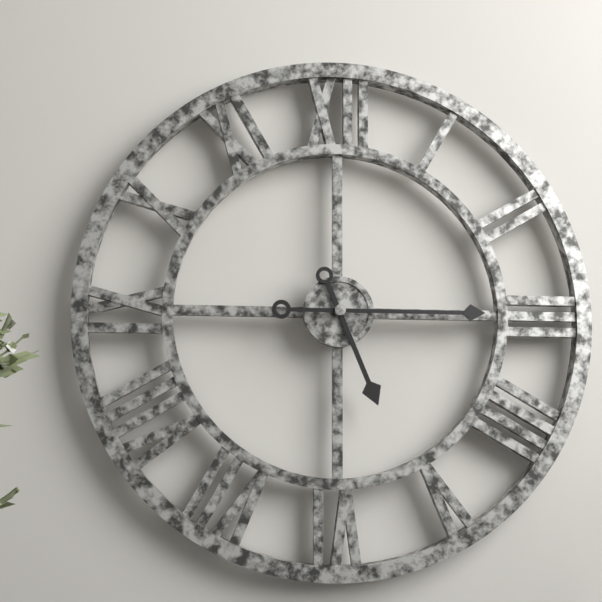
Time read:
5:15
